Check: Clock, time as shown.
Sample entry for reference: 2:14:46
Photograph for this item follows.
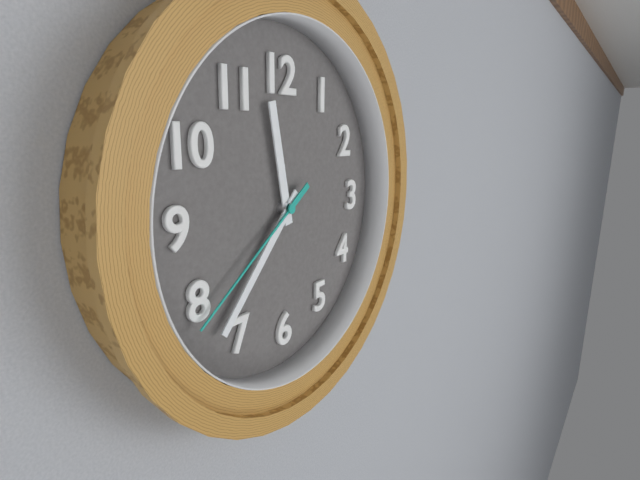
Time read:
11:37:39
